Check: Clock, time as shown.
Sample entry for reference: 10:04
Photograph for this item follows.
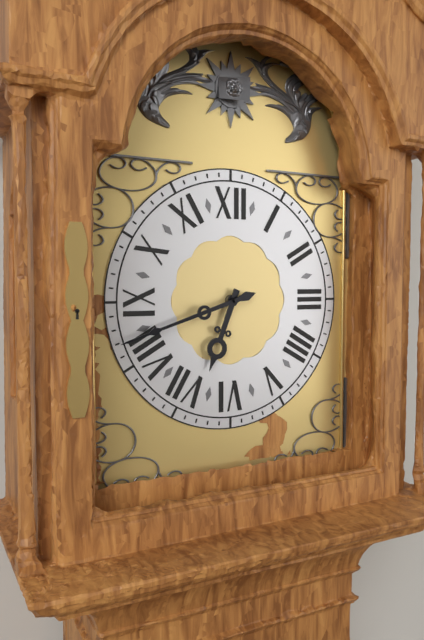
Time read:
6:42
